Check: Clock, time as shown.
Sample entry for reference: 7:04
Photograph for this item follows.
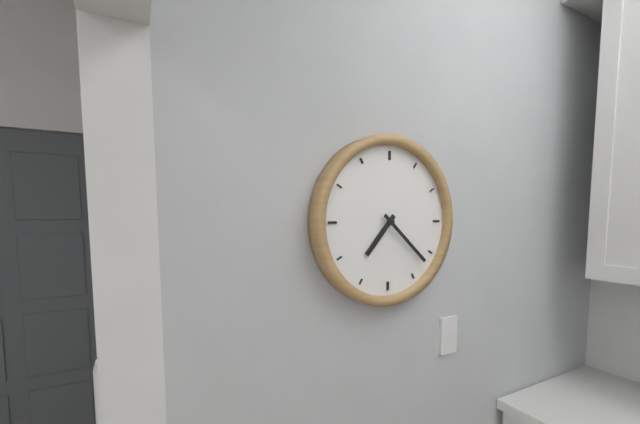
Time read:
7:22
